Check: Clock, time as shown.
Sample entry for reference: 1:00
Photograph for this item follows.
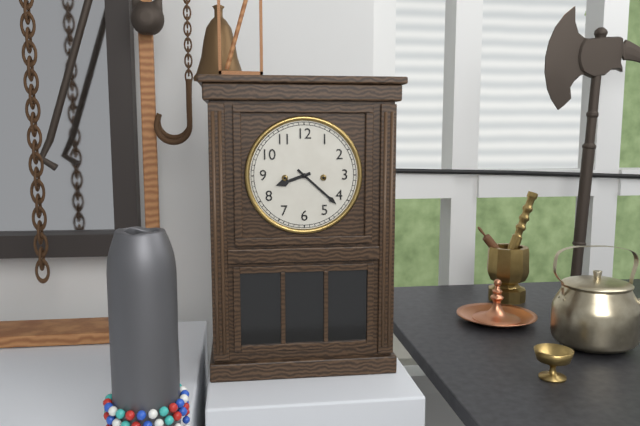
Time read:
8:22
